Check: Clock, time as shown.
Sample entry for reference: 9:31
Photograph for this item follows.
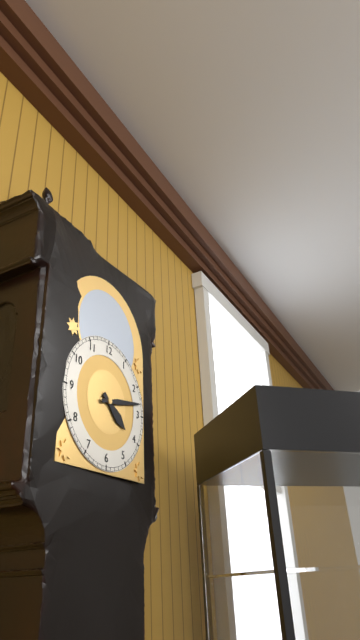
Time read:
4:13
